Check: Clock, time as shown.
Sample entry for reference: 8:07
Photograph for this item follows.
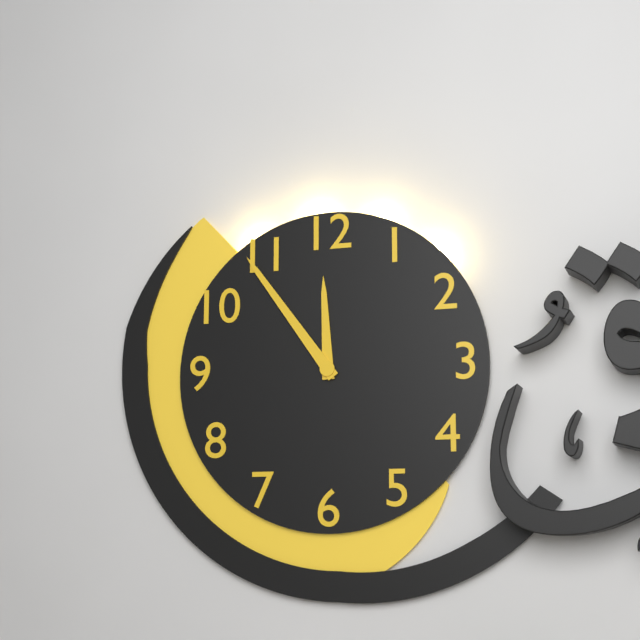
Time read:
11:54
